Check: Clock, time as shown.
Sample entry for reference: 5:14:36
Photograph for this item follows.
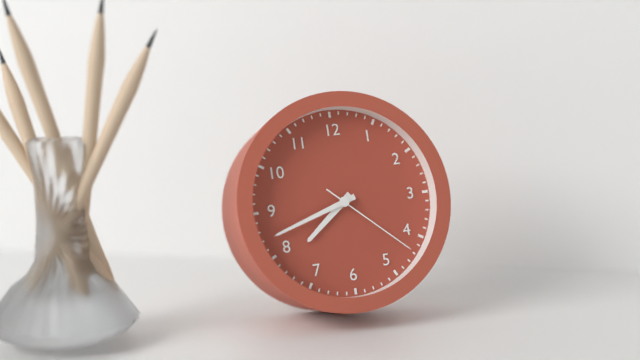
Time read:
7:42:22
